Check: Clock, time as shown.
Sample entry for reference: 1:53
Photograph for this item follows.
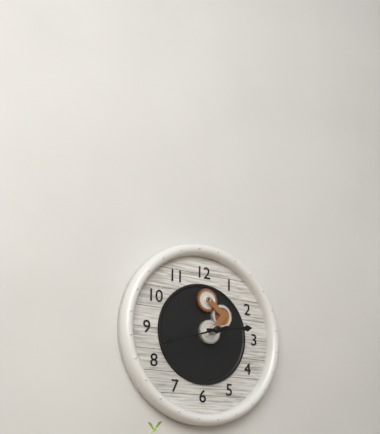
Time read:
2:42
